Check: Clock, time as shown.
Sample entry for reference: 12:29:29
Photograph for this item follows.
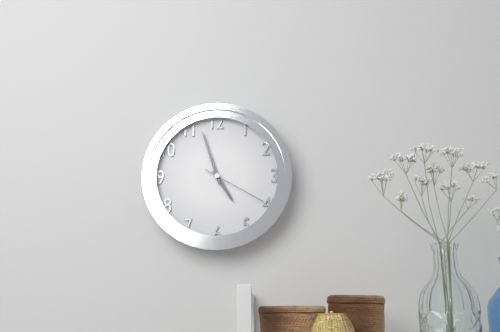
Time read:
4:57:20
